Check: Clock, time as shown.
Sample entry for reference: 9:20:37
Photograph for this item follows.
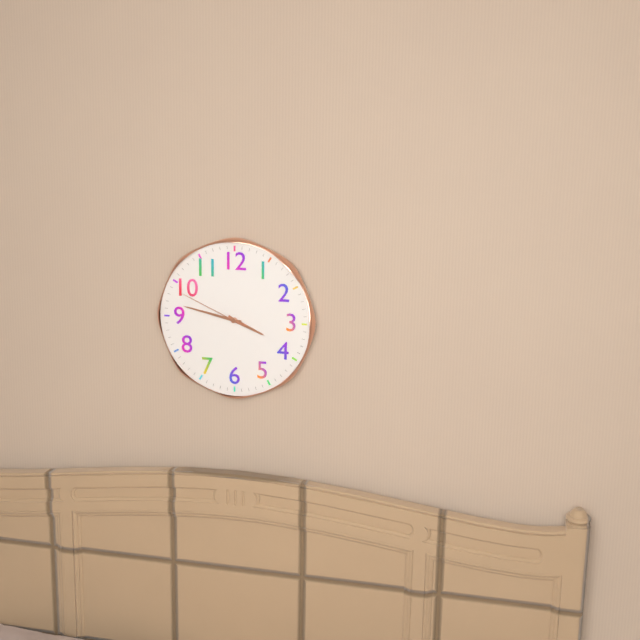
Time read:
3:47:49
